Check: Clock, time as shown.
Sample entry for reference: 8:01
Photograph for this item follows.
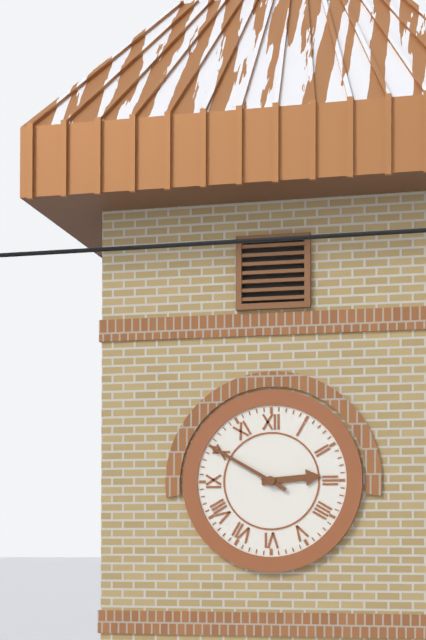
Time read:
2:50
